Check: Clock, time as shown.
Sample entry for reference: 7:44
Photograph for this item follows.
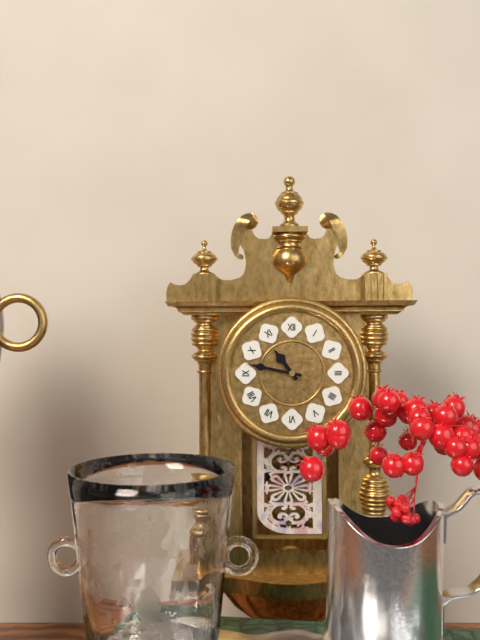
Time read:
10:47
